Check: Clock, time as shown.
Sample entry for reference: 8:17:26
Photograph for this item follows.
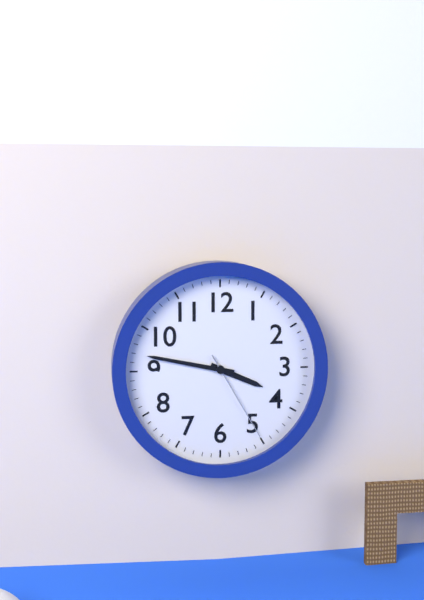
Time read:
3:47:25
